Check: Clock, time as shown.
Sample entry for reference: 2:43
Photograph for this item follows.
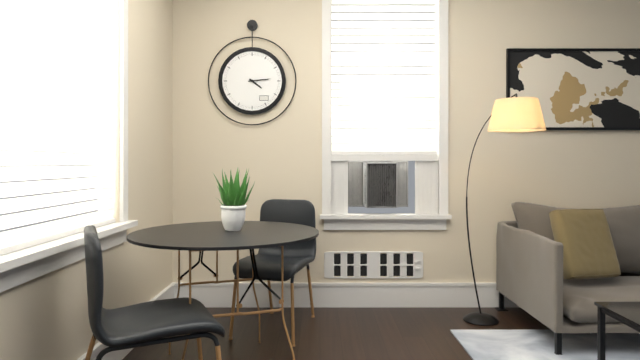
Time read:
4:14
